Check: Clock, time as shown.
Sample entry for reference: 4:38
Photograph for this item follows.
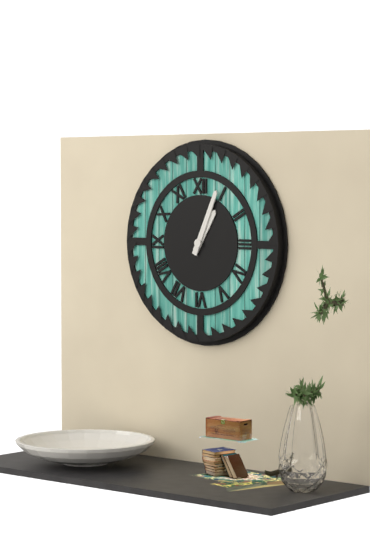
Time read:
1:04
